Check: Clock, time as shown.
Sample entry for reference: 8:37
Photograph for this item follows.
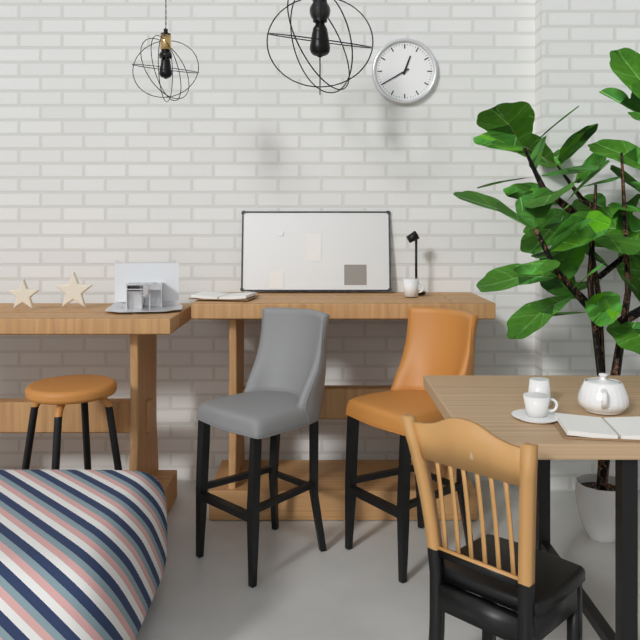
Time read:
12:40
